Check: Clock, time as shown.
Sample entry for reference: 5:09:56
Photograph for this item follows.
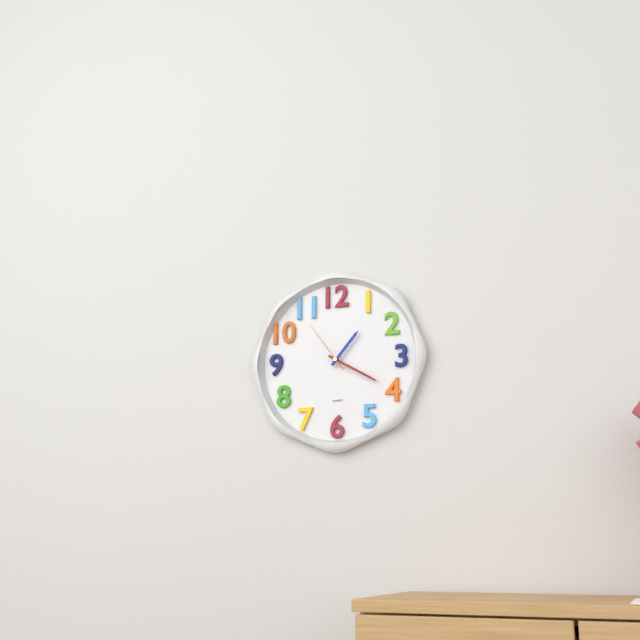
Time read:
1:20:54
